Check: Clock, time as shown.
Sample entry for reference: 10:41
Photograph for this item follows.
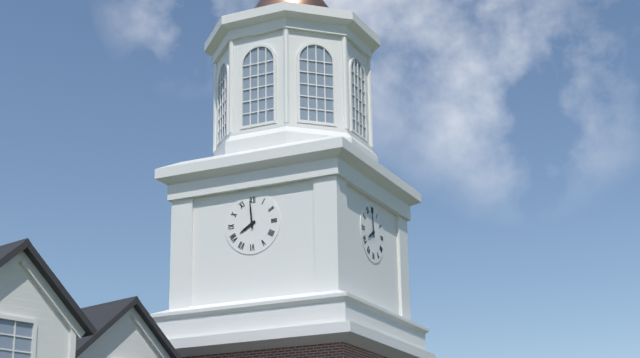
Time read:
7:59
